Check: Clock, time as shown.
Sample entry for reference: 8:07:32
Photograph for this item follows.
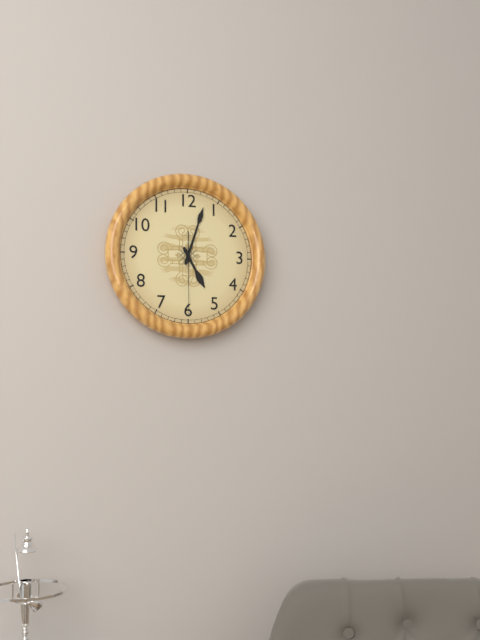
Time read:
5:03:30
